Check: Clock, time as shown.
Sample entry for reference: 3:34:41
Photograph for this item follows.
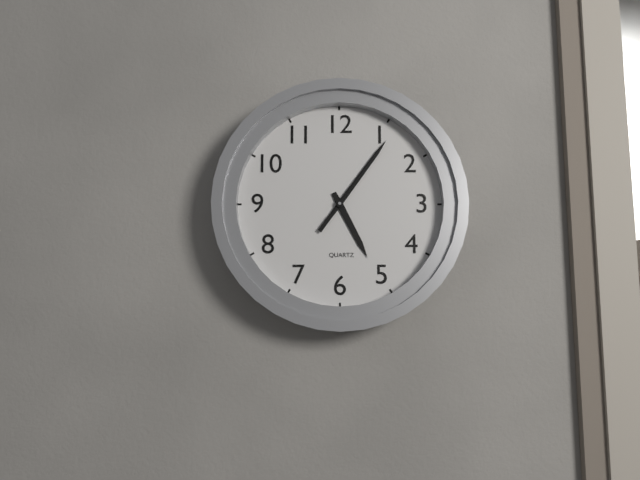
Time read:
5:06:06
